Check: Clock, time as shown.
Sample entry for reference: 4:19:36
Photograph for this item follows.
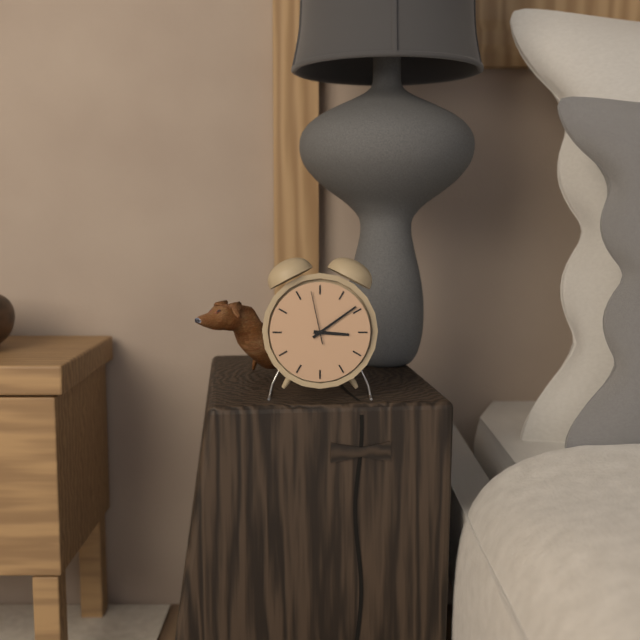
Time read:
3:09:58
